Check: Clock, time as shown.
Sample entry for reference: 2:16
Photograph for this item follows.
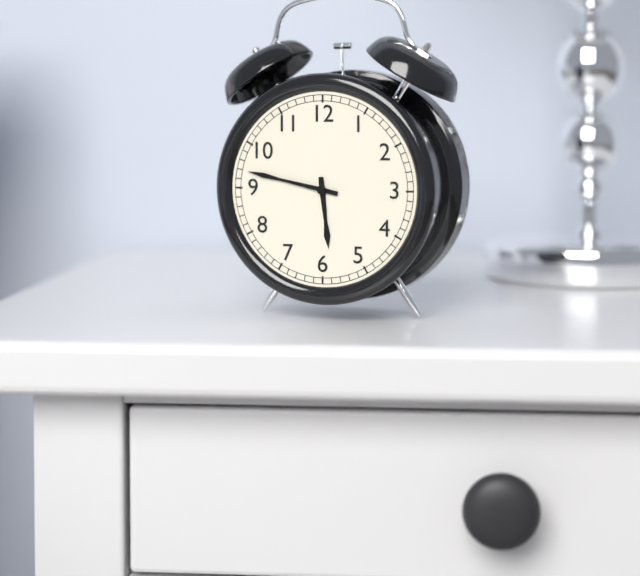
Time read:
5:47
